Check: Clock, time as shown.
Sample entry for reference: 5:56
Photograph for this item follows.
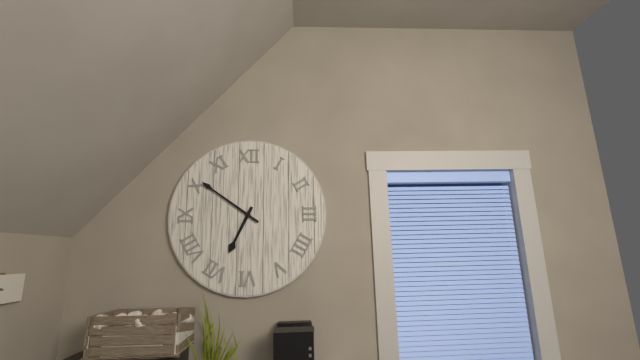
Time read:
6:51
